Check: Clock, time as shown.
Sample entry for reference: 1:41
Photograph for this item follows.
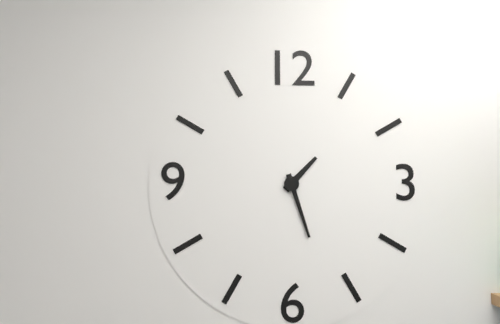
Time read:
1:27
